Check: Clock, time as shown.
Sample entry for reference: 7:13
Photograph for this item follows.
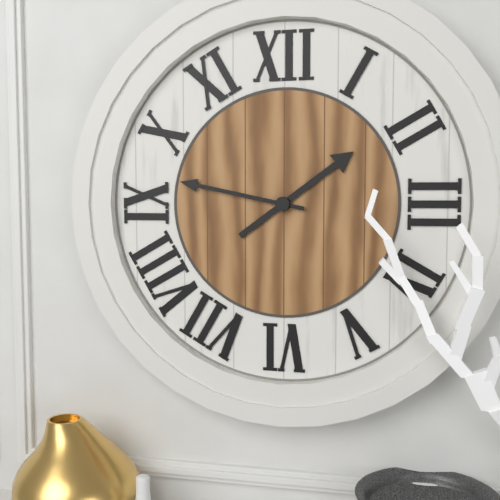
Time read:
1:47
